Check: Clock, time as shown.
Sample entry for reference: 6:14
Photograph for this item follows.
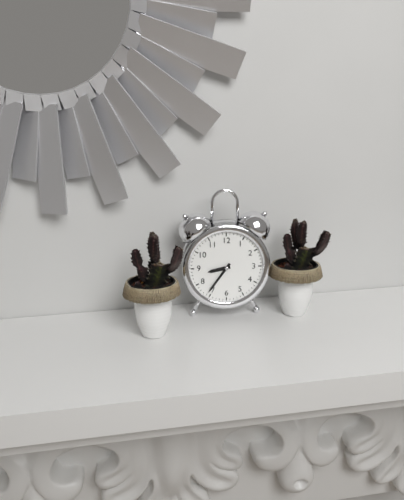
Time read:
8:36
